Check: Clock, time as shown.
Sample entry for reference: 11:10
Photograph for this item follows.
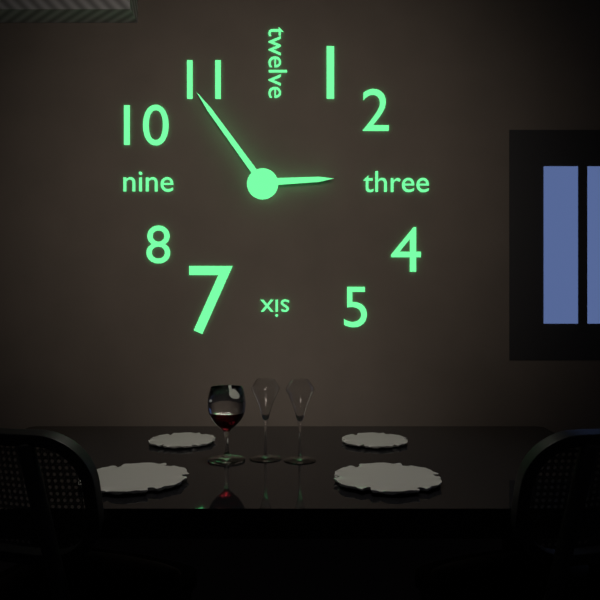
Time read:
2:54
